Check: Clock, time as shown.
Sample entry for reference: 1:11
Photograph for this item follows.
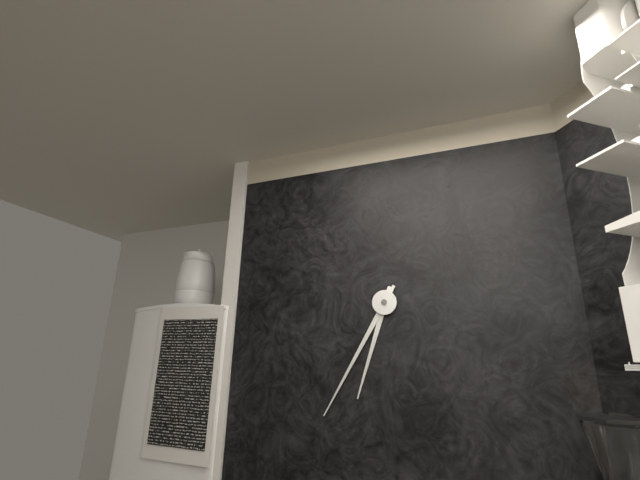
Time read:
6:35
